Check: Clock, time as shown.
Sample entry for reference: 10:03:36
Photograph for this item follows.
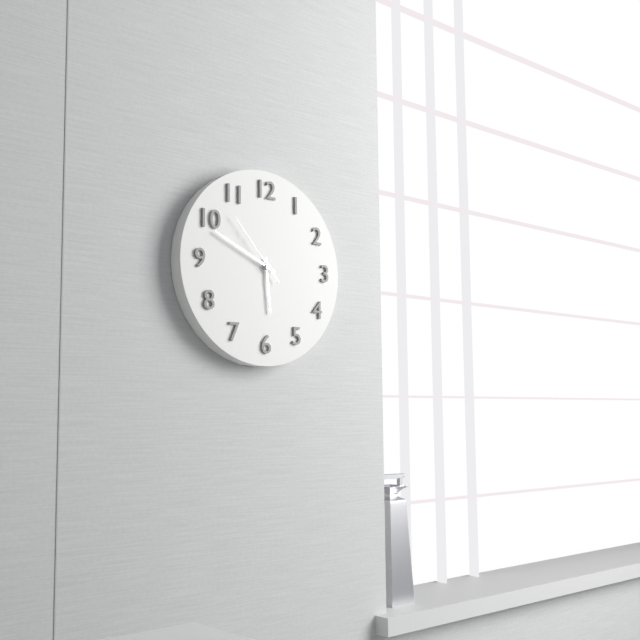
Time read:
5:49:53
